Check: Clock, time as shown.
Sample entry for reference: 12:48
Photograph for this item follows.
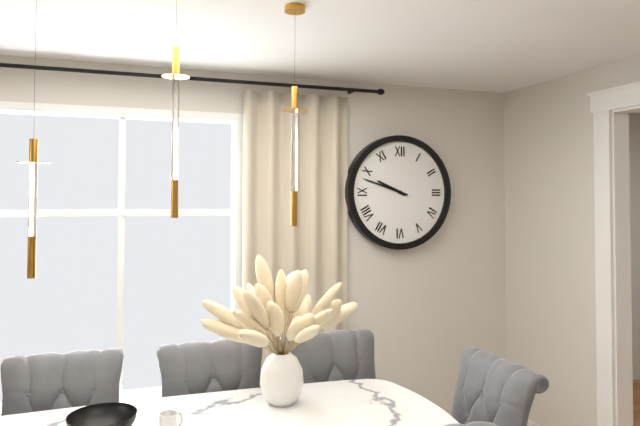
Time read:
9:48
